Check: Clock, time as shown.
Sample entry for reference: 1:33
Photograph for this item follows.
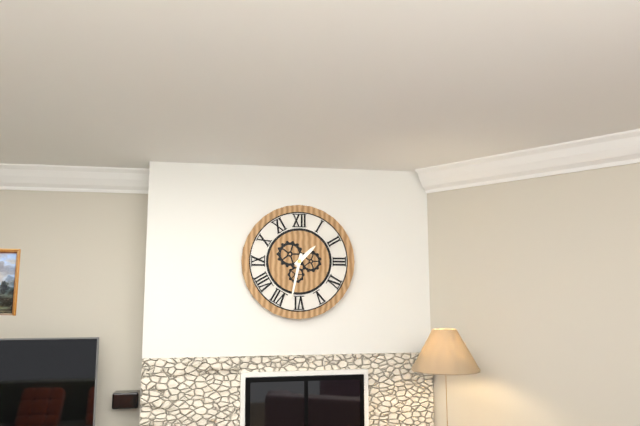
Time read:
1:32
